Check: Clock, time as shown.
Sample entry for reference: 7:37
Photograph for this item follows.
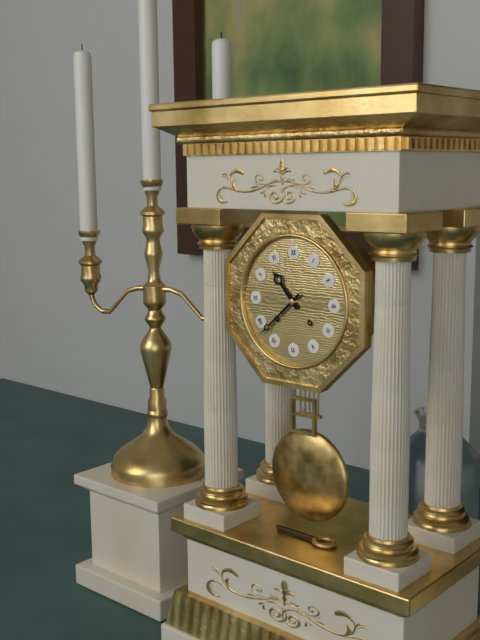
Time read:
10:38
